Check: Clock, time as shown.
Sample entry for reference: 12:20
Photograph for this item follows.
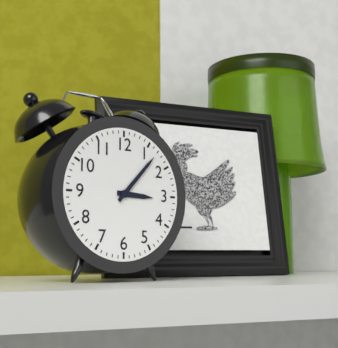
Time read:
3:07
